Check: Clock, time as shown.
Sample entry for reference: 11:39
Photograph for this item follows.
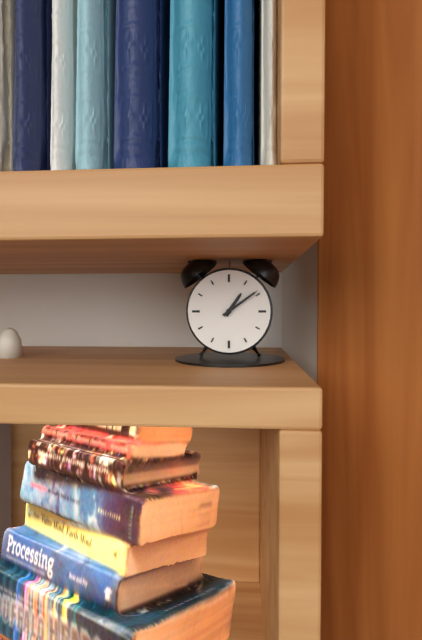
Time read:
1:09
